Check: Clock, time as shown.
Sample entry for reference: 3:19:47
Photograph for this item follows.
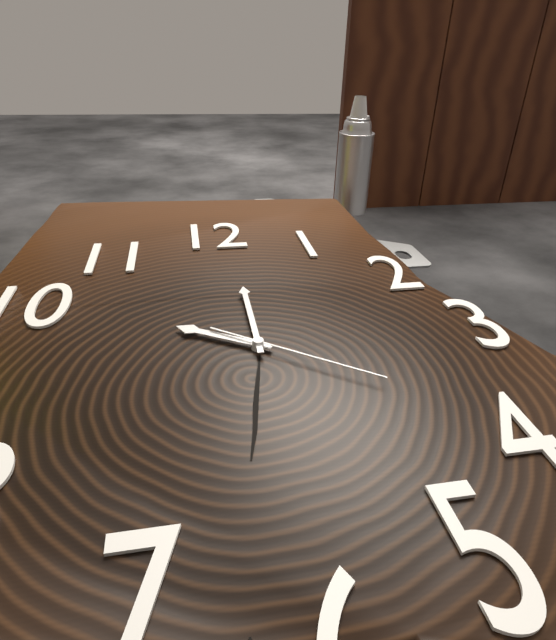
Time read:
10:00:21
